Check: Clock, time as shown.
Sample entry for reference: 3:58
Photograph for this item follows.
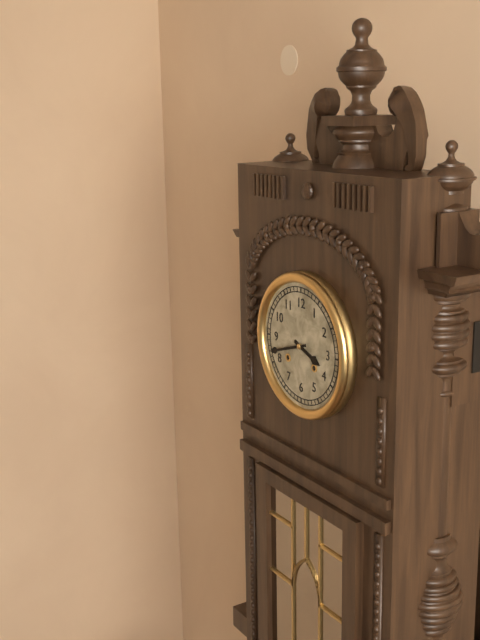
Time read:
3:42
